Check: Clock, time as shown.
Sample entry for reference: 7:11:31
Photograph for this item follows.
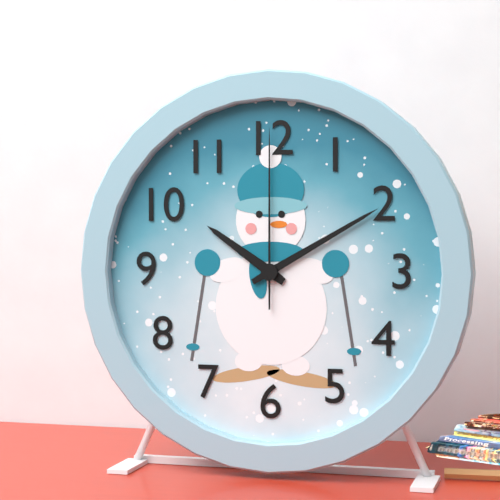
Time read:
10:10:00
